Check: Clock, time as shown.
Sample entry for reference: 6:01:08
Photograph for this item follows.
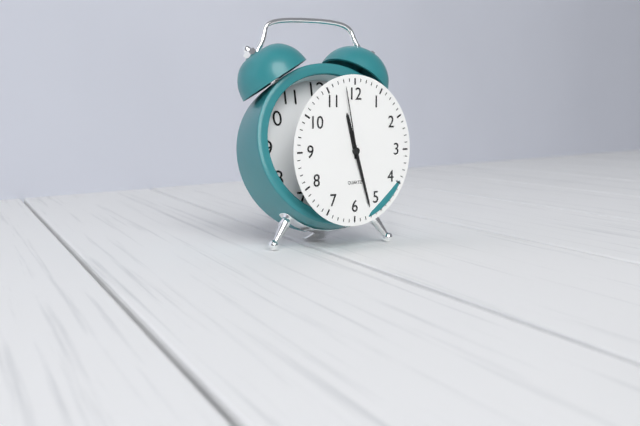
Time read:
11:27:58
